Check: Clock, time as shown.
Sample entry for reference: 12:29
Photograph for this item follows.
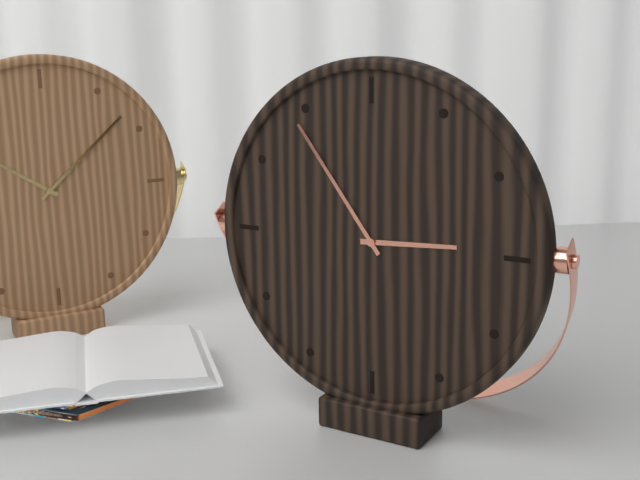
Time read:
2:54
